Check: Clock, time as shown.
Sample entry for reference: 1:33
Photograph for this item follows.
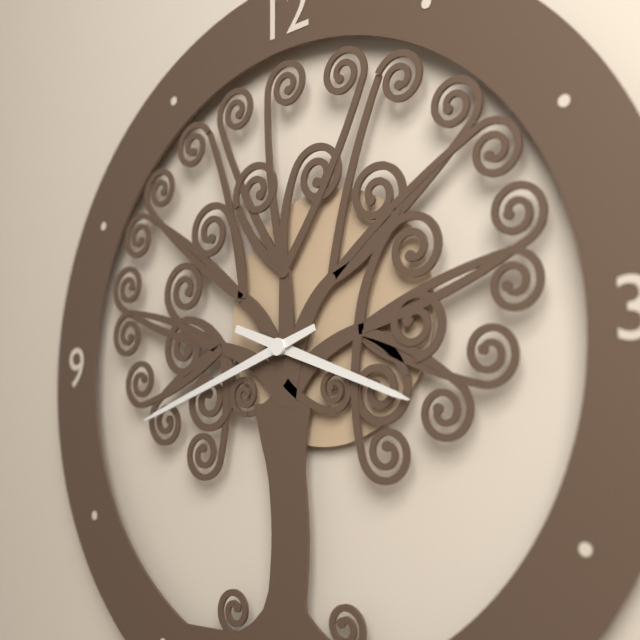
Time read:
3:42
